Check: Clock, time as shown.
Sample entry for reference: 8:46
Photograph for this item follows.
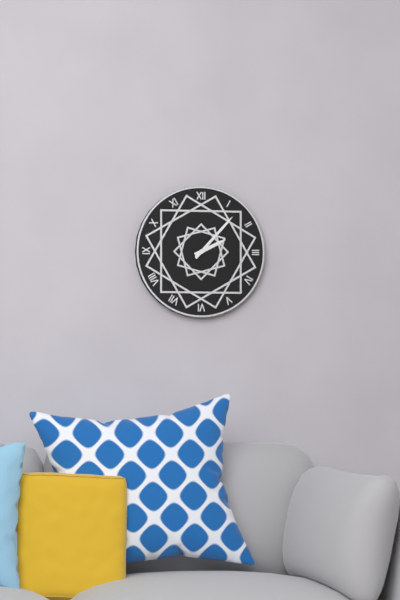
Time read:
2:07
